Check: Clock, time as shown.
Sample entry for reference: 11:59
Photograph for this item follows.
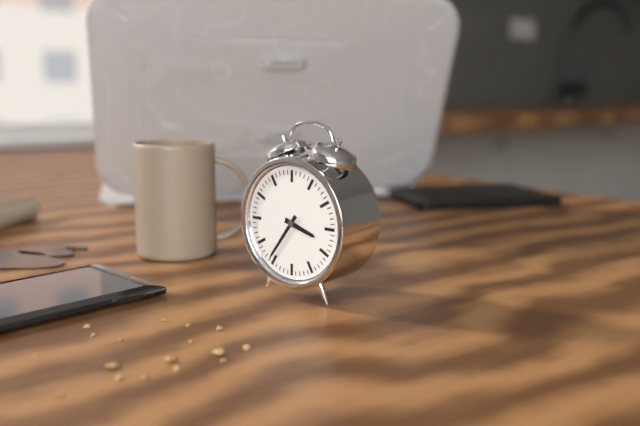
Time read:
3:36
